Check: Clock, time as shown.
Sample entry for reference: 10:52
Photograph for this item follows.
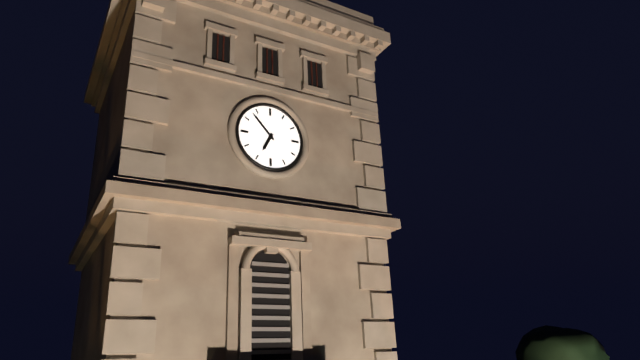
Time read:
6:53
